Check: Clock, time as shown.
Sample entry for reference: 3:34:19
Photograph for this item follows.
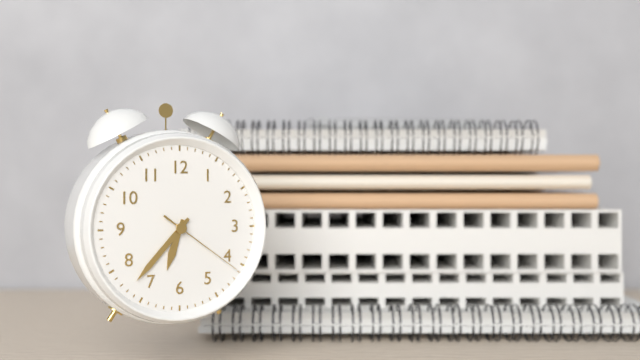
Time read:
6:37:21
